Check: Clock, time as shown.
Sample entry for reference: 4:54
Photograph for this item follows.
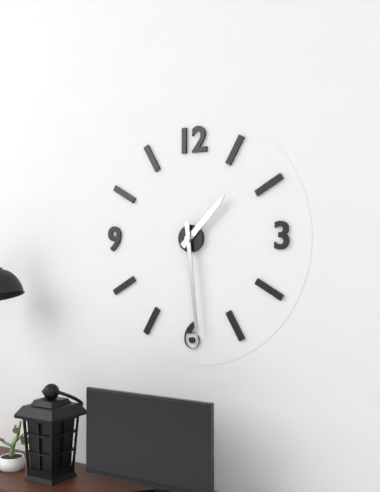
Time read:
1:29
